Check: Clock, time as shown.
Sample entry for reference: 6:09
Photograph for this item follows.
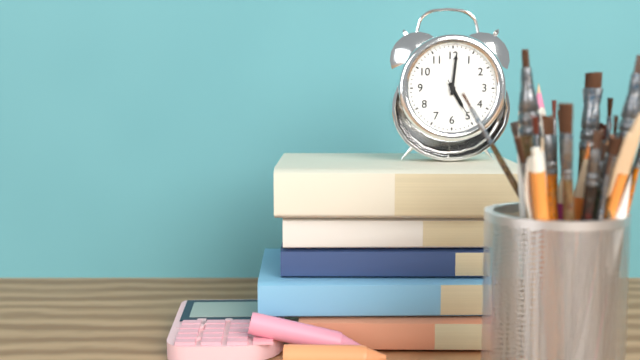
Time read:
5:01
